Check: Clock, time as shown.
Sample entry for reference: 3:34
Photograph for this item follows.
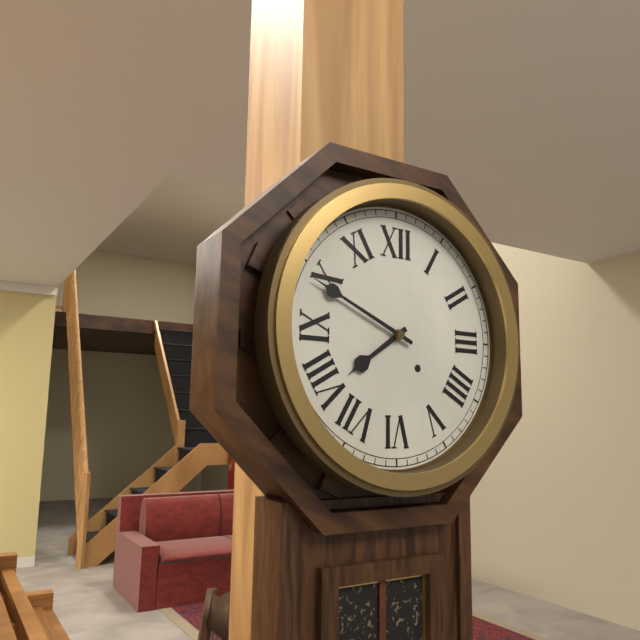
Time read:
7:49
